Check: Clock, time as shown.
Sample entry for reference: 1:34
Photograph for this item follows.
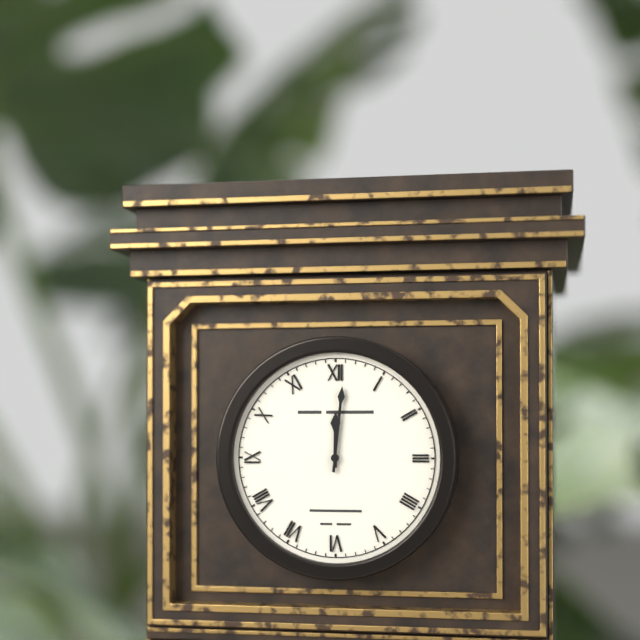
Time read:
12:01
